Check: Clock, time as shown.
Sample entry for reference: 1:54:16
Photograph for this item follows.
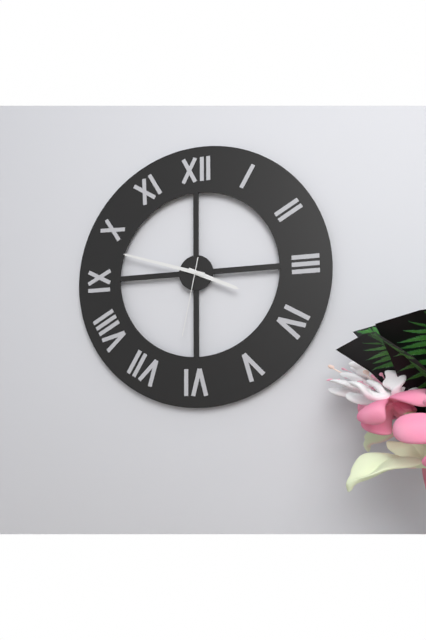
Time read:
3:48:32
